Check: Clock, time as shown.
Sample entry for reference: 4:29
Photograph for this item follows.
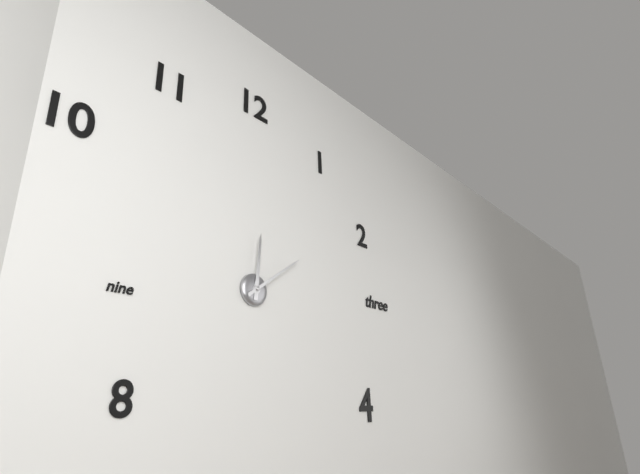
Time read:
12:09
